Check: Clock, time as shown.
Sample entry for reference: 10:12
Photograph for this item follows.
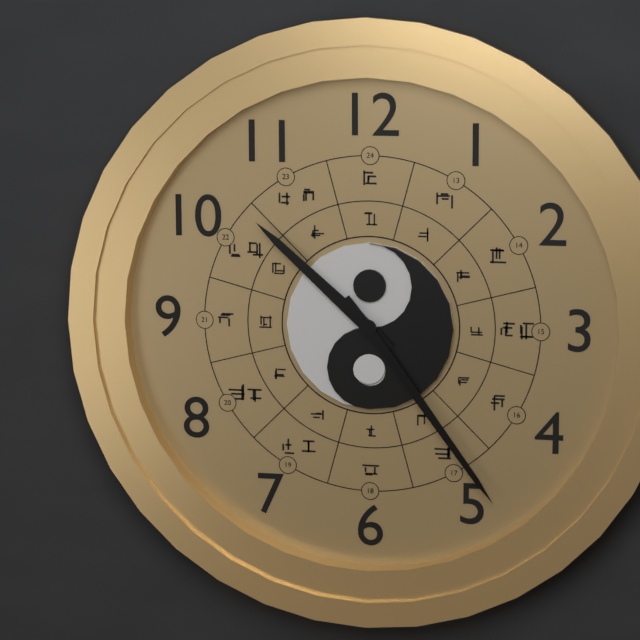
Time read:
10:24
